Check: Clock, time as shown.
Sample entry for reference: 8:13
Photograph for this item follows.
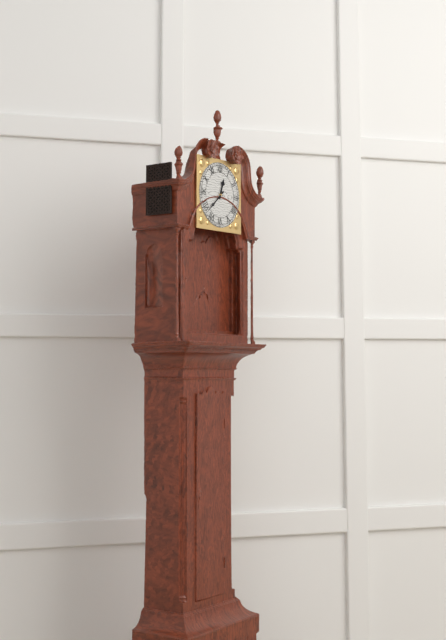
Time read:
12:38
